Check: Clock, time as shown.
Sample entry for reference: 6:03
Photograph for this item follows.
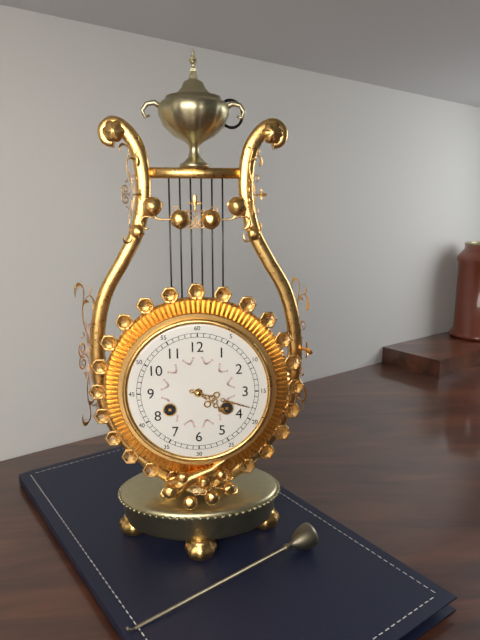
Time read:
4:18
